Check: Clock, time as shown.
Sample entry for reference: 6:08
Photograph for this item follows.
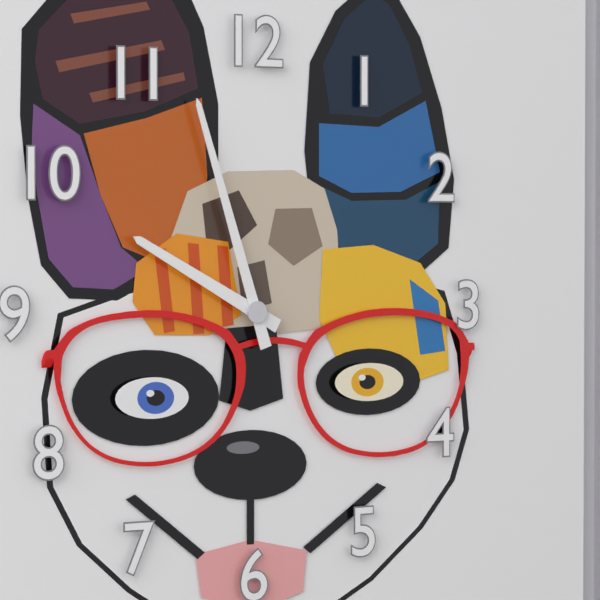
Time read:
9:57
